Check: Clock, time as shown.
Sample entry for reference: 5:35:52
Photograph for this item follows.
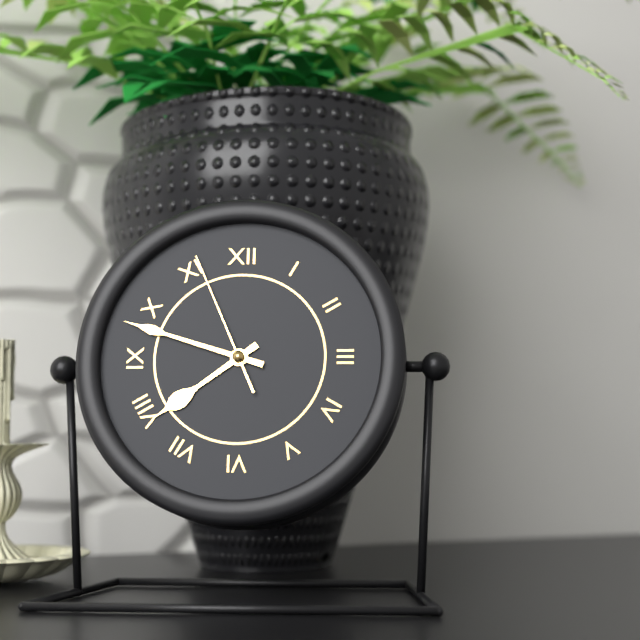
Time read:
7:48:56
